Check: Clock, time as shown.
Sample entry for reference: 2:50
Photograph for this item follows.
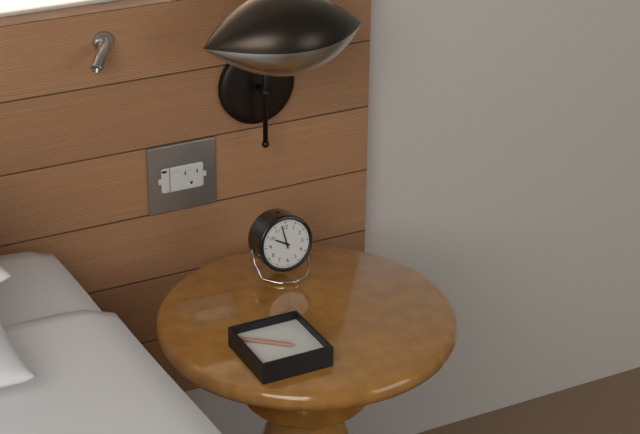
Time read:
9:58
